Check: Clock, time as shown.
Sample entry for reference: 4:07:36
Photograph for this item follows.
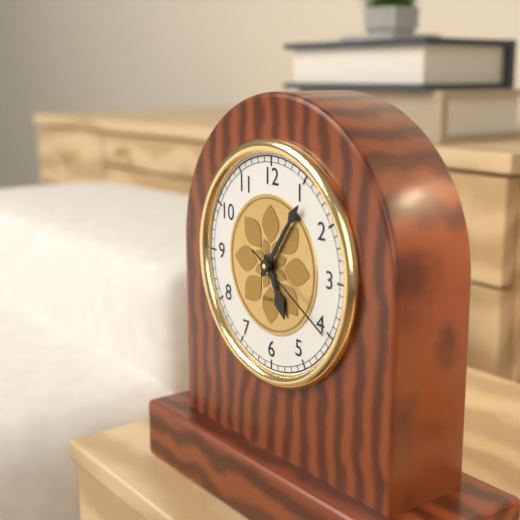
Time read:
5:06:20
